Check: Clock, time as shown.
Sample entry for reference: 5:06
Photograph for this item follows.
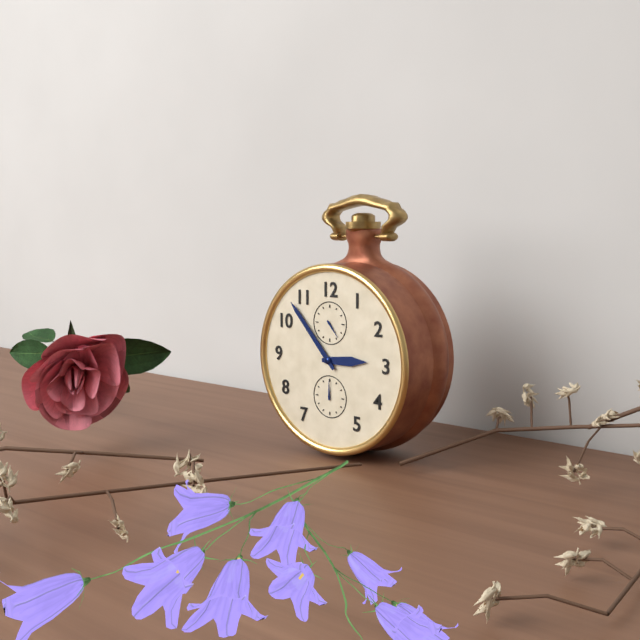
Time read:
2:53
